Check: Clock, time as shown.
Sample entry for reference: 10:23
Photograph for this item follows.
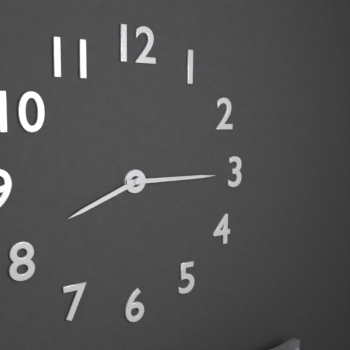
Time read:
8:15
